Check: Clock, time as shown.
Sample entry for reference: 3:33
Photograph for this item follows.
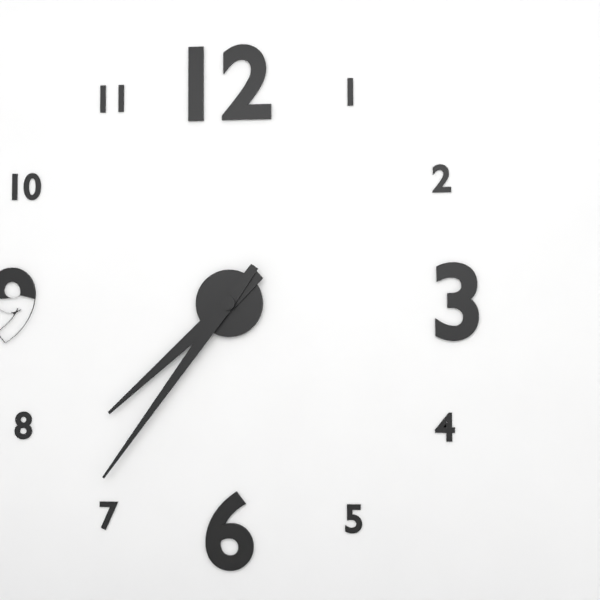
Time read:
7:36
